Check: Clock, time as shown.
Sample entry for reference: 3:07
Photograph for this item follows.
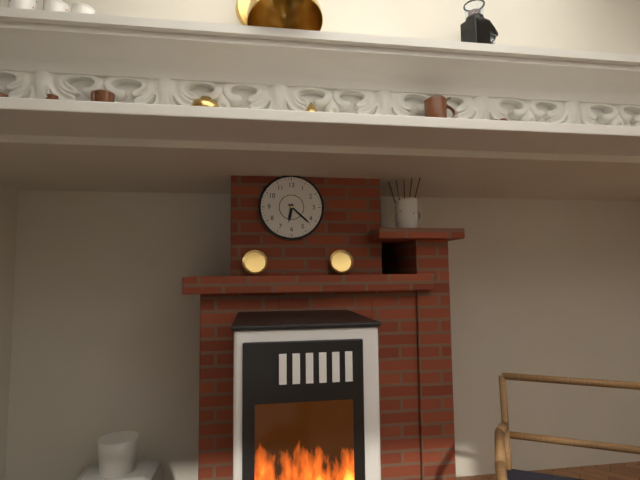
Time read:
6:22
